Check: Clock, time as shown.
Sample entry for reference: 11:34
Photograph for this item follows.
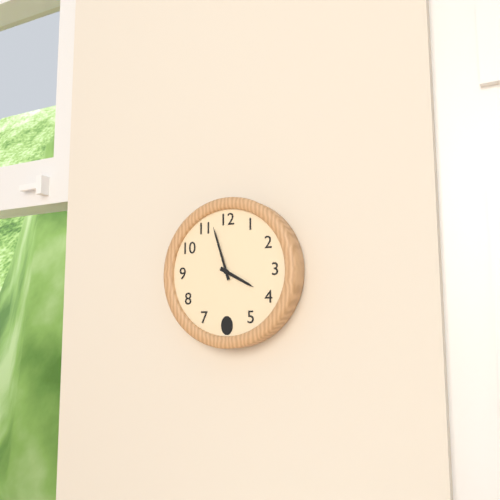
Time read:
3:57
